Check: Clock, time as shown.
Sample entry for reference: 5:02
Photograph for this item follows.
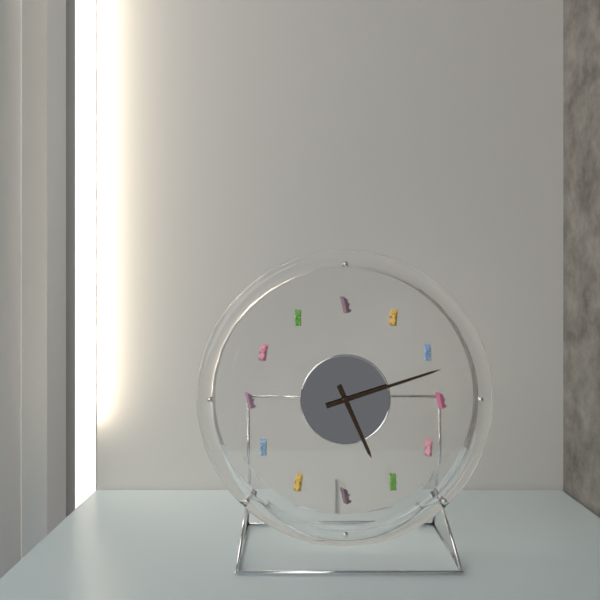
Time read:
5:12
